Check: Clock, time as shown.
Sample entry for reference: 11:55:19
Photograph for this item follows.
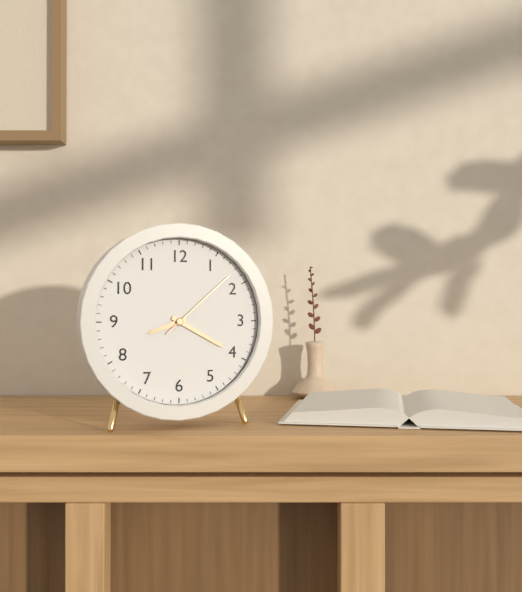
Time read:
8:20:08
